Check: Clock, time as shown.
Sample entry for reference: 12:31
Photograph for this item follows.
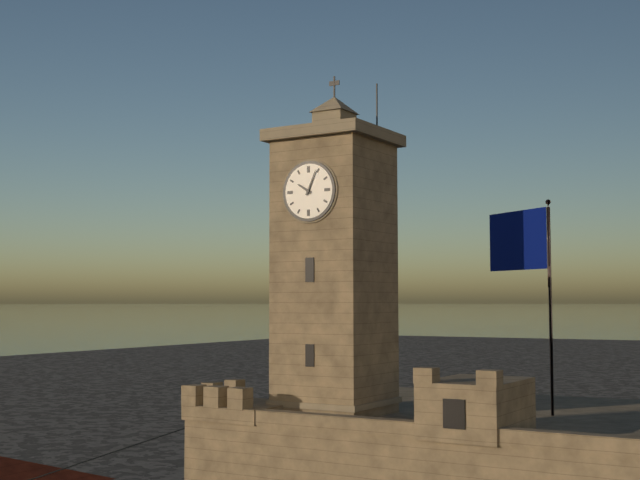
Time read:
10:04
